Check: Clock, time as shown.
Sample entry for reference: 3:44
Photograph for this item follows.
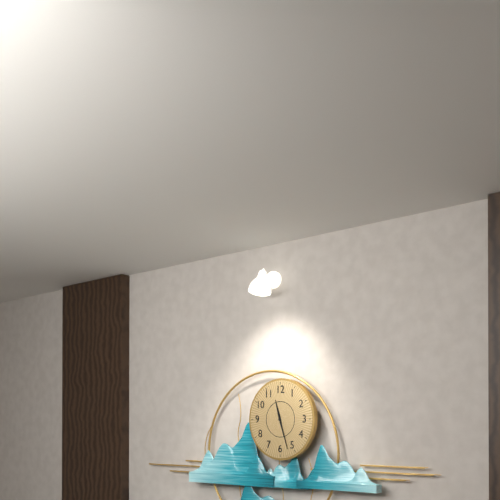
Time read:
11:27
